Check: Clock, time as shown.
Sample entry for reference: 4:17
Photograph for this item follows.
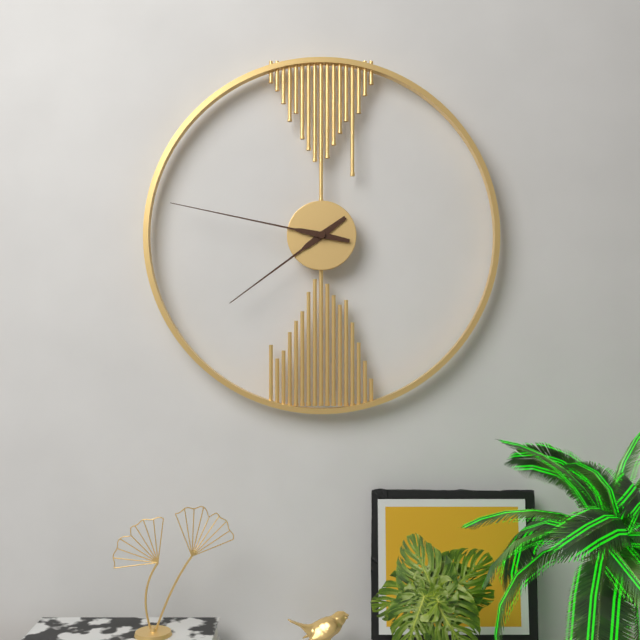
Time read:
7:47
